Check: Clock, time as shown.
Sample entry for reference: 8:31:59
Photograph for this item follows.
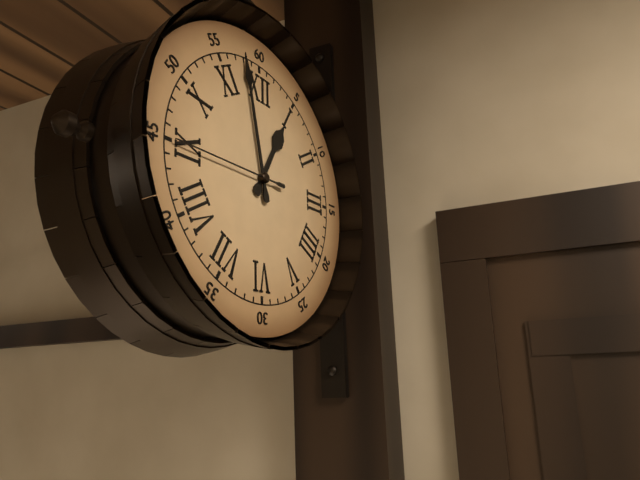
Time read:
12:58:45
